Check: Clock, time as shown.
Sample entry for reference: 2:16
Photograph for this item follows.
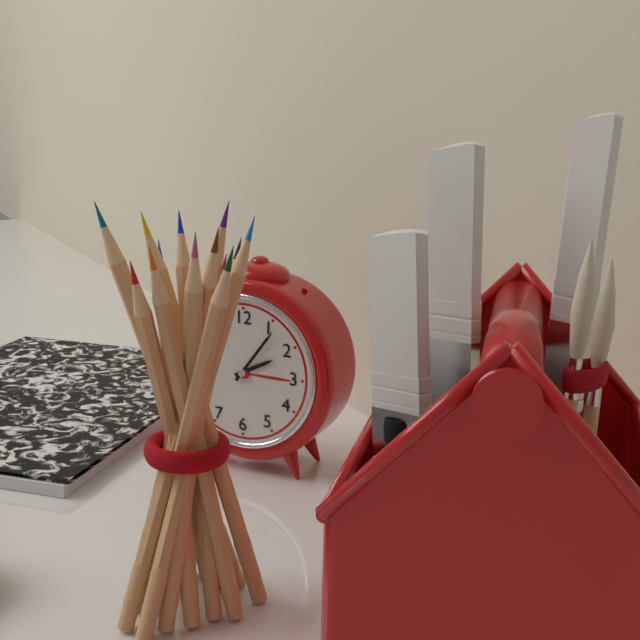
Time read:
2:06
